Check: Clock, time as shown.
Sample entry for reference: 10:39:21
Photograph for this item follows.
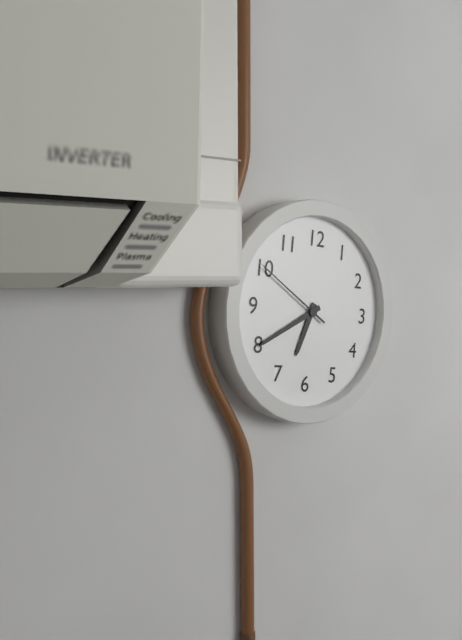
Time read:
6:40:50
